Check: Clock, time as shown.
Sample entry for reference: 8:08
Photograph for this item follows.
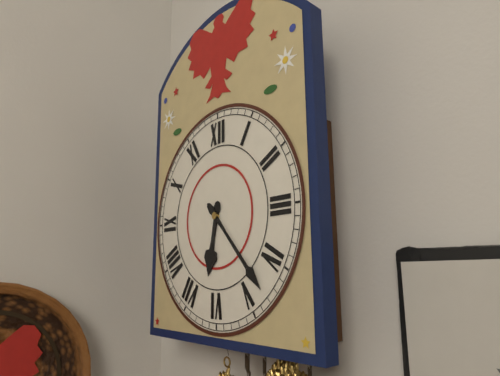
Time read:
6:23
